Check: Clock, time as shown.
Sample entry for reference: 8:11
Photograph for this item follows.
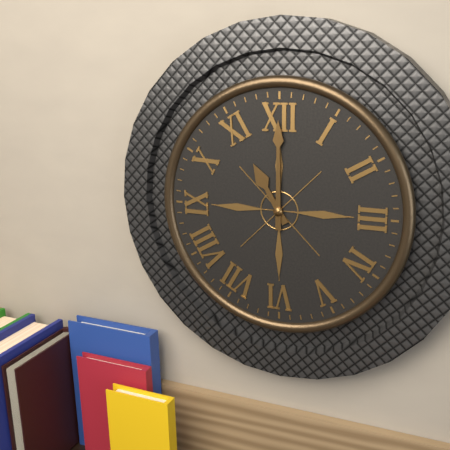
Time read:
11:00
